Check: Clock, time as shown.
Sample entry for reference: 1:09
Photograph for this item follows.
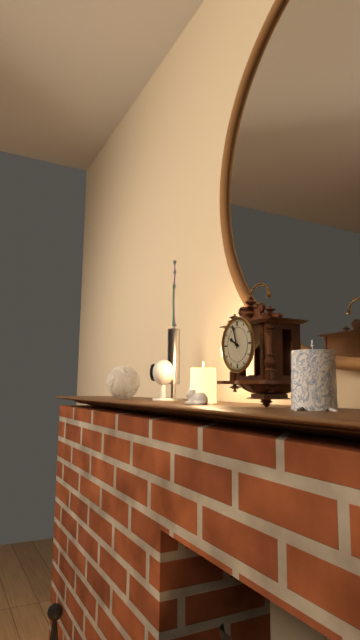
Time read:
9:57
